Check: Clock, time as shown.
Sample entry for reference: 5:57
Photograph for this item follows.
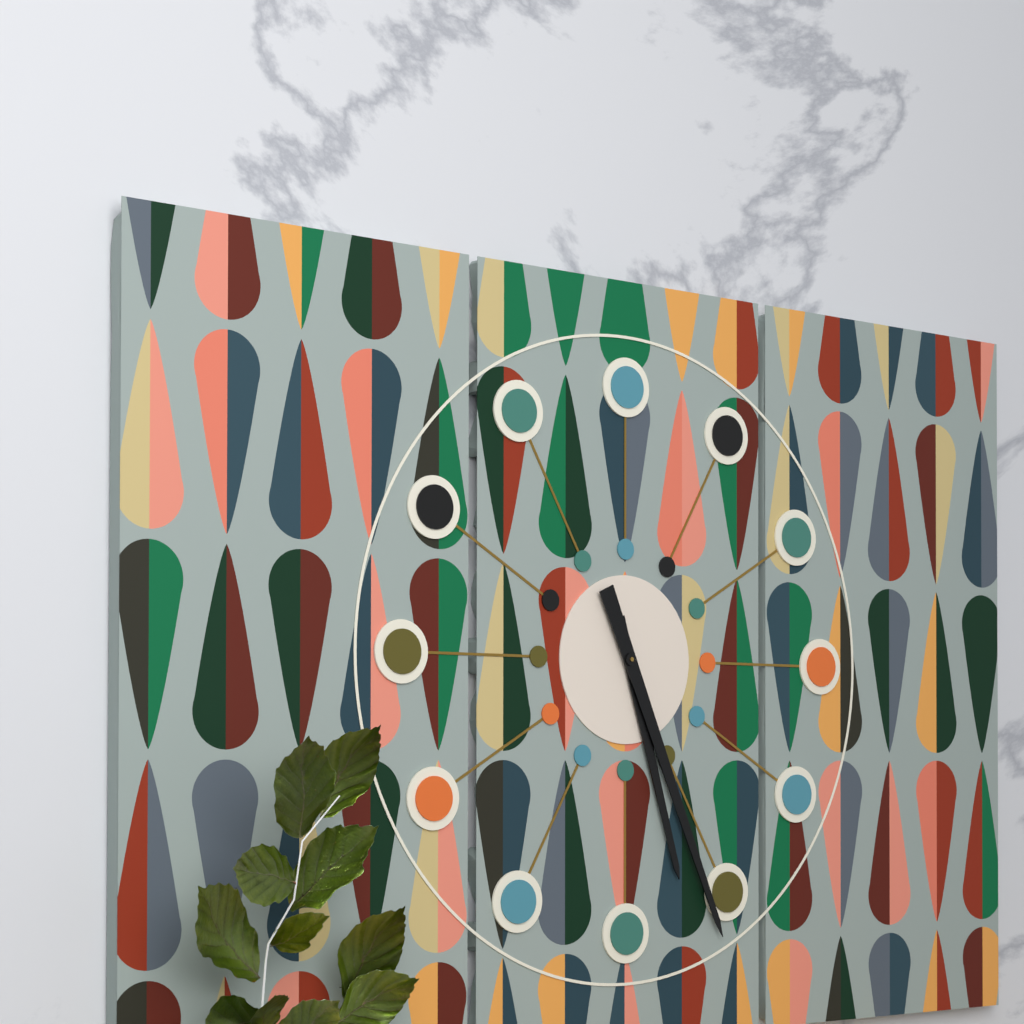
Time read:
5:26
